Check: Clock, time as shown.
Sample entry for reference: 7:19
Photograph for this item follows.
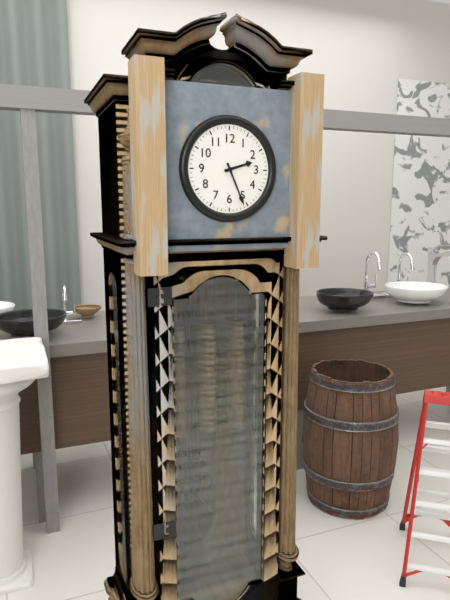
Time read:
2:26
